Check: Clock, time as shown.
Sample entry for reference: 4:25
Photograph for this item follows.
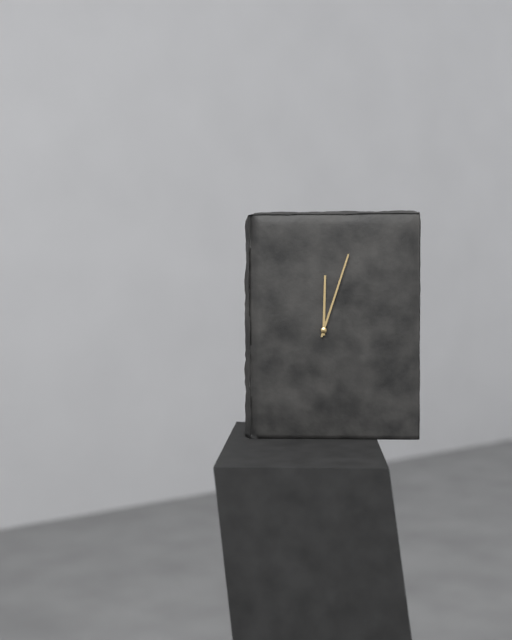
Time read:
12:03
